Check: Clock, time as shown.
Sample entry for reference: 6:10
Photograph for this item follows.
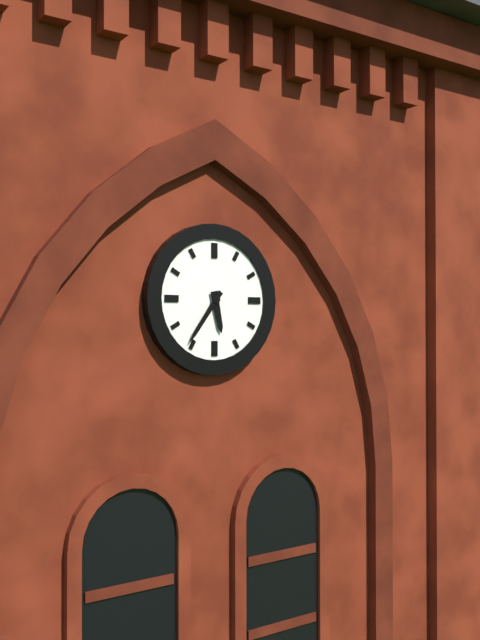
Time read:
5:36
